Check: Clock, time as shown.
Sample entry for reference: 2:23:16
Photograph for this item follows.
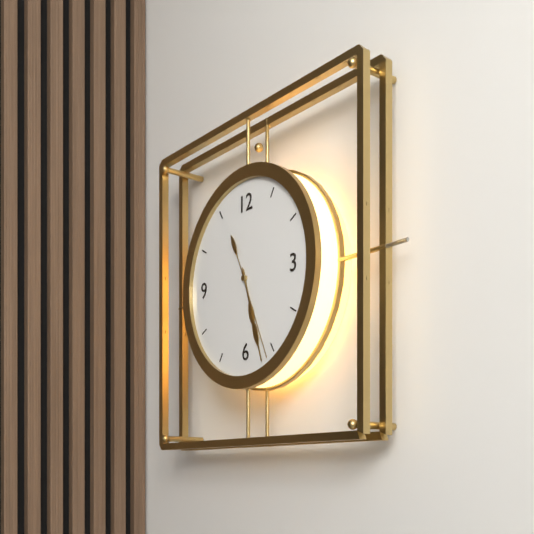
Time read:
5:27:26
